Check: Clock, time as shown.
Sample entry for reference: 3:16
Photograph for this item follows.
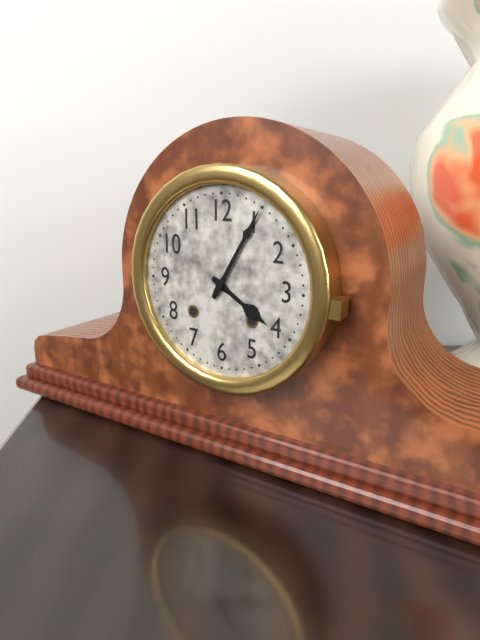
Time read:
4:05
